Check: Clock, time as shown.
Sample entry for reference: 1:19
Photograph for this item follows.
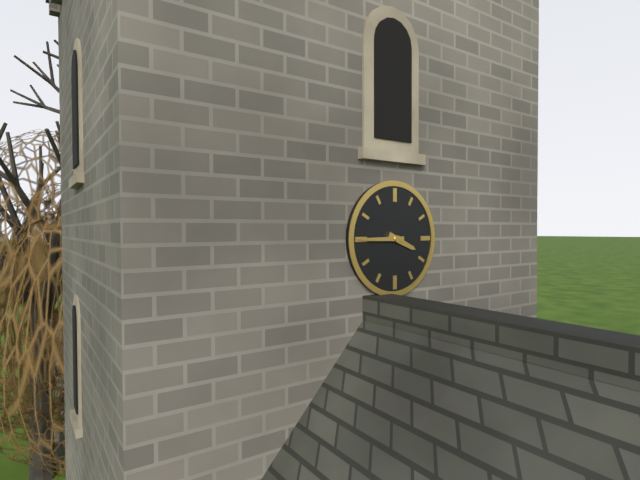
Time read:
3:45
